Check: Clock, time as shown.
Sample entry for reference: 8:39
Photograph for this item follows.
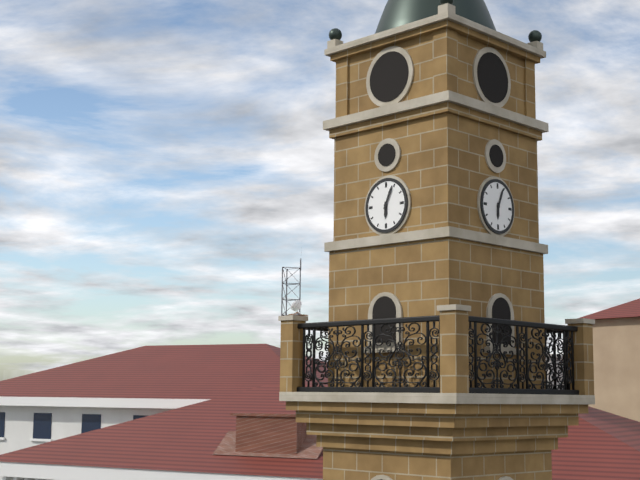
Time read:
6:04
